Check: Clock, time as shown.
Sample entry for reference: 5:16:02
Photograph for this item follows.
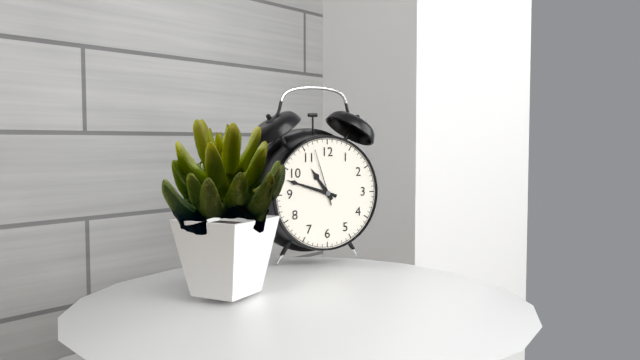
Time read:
10:48:57
